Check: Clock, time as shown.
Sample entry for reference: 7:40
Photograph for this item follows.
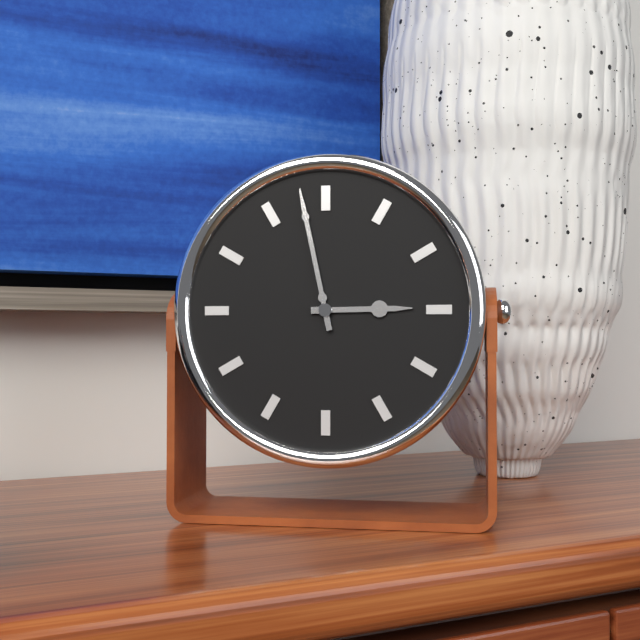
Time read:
2:58
